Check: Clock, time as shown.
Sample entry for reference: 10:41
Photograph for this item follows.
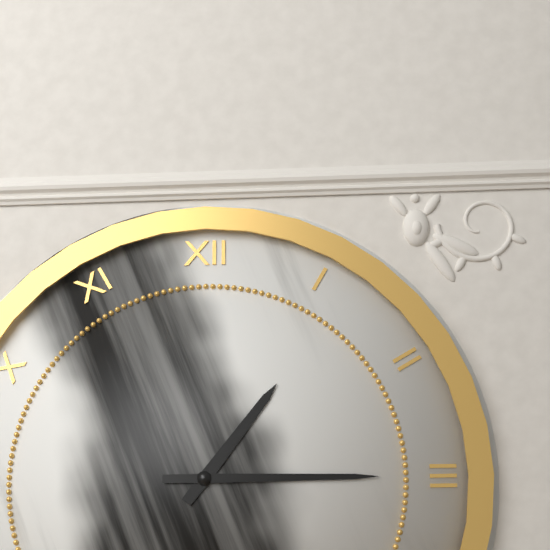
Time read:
1:15
